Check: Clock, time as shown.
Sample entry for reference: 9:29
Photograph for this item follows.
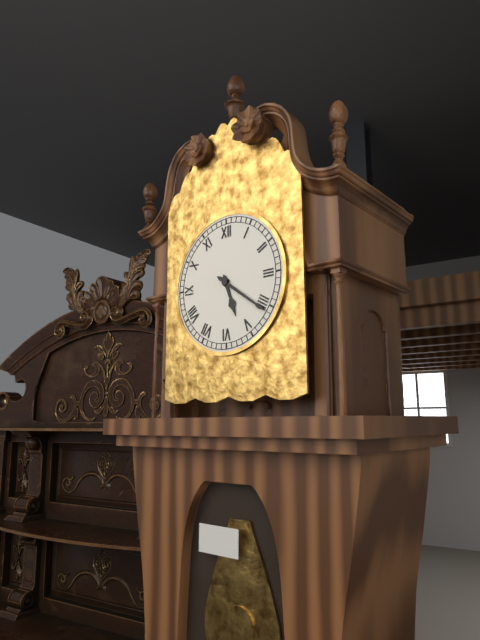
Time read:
5:21
